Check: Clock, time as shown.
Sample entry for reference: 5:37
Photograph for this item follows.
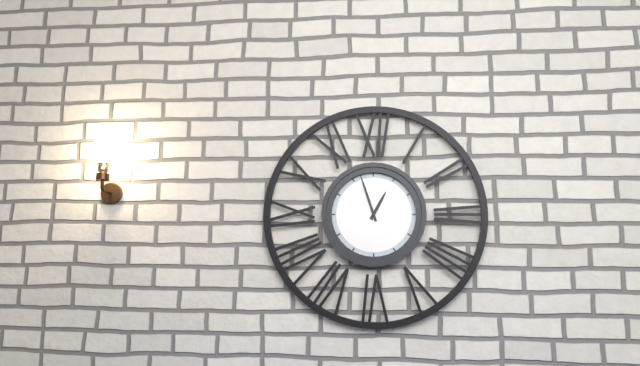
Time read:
12:57
